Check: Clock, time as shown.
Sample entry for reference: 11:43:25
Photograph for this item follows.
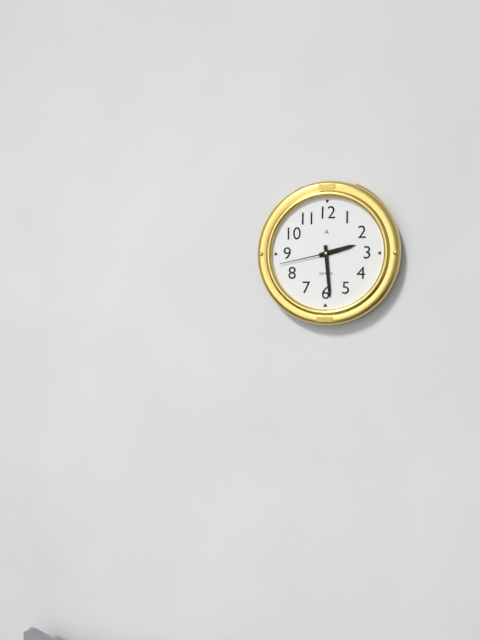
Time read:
2:29:43
